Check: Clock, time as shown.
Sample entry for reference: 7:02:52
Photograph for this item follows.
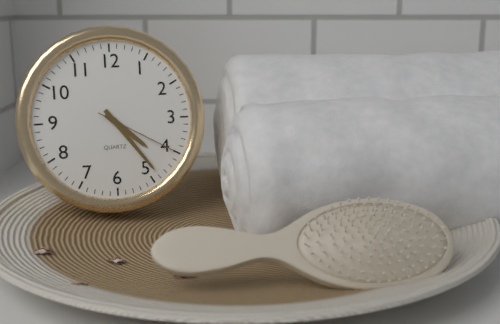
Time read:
4:24:20
